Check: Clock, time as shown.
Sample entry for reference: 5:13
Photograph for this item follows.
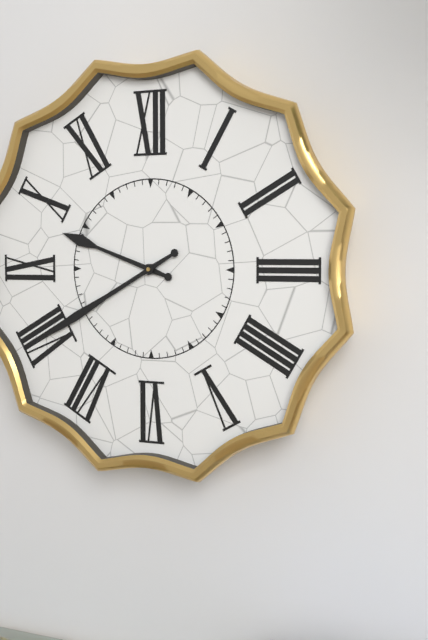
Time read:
9:40
